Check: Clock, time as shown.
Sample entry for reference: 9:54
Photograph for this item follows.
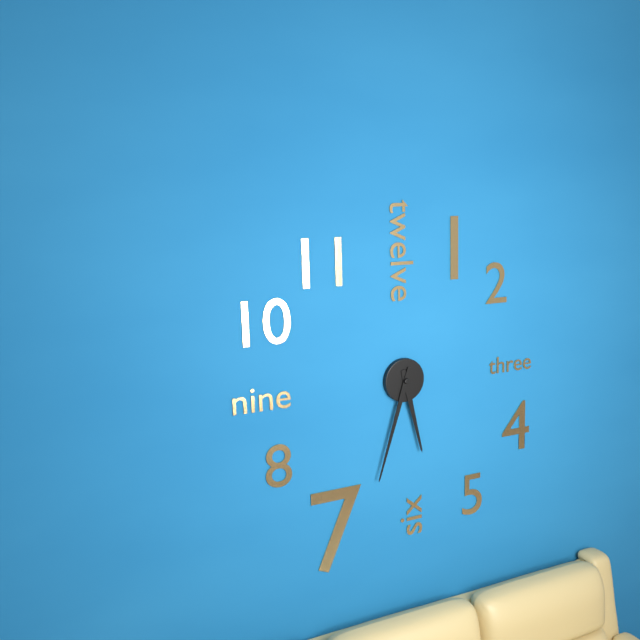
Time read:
5:33
